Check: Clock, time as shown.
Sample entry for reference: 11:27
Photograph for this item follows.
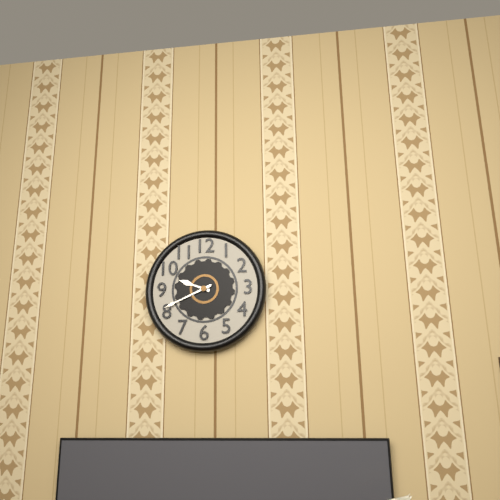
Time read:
9:41
